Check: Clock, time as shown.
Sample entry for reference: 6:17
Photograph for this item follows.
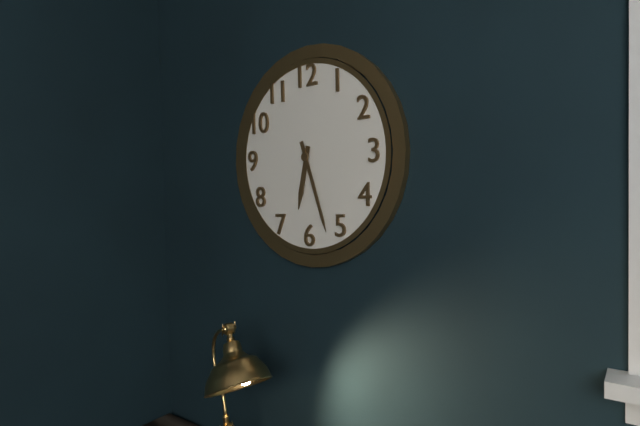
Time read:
6:27
